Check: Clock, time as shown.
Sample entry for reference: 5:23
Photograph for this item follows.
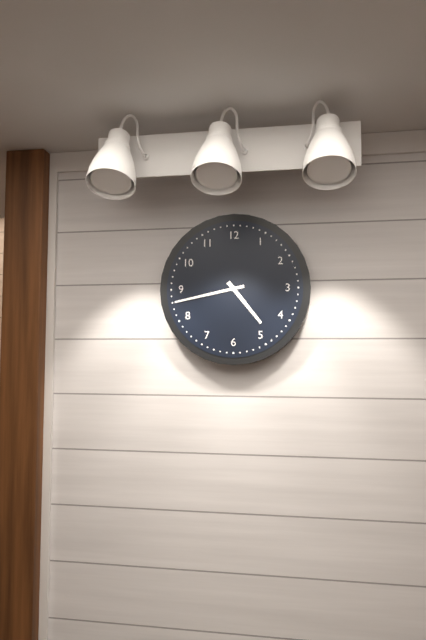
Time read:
4:43
